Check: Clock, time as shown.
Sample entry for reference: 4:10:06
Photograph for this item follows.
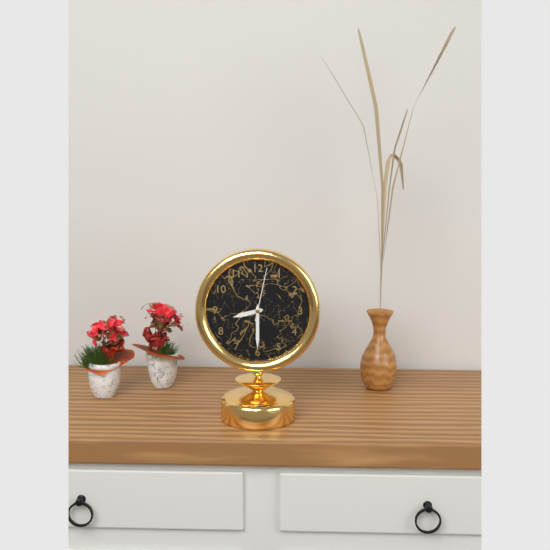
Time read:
8:30:02
